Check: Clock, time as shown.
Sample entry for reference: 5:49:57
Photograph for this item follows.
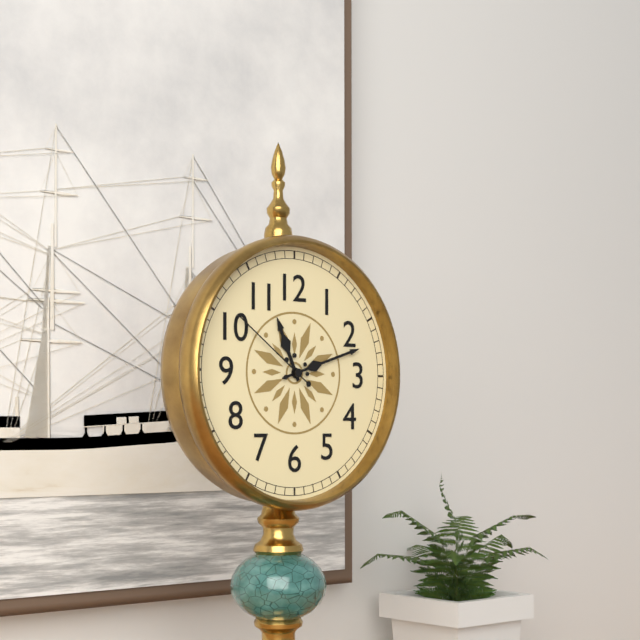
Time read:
11:12:51
